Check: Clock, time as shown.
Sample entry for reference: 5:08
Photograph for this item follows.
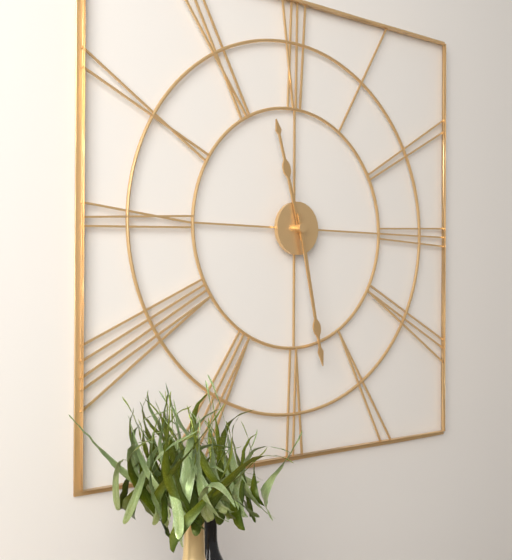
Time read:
11:28
